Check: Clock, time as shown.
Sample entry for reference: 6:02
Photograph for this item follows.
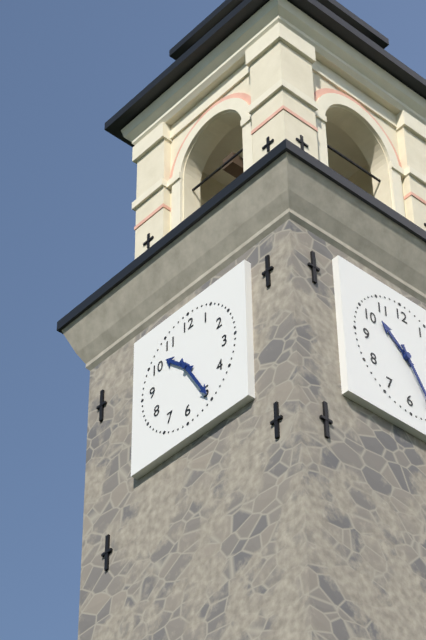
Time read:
10:25
